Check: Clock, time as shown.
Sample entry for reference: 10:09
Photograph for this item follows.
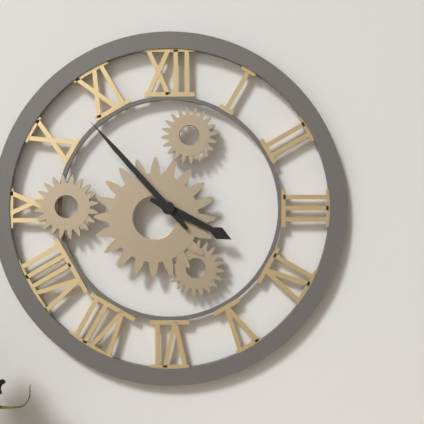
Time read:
3:53
